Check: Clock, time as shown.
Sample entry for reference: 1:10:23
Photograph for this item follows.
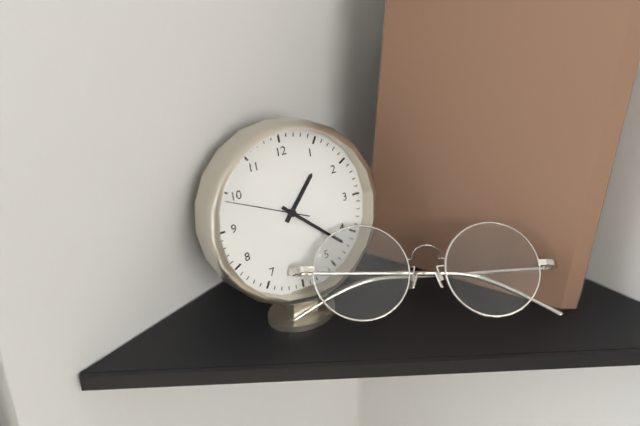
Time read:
1:22:49
